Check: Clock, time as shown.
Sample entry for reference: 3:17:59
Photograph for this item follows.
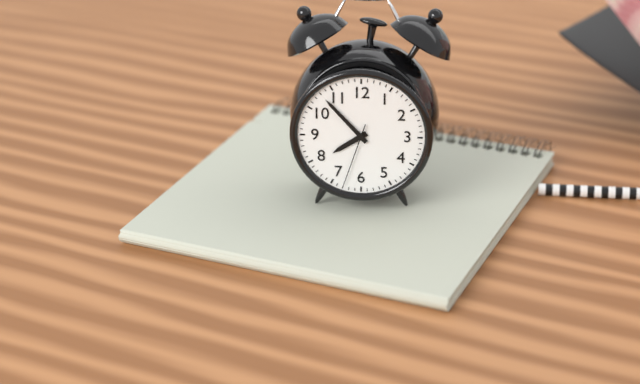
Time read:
7:53:33
